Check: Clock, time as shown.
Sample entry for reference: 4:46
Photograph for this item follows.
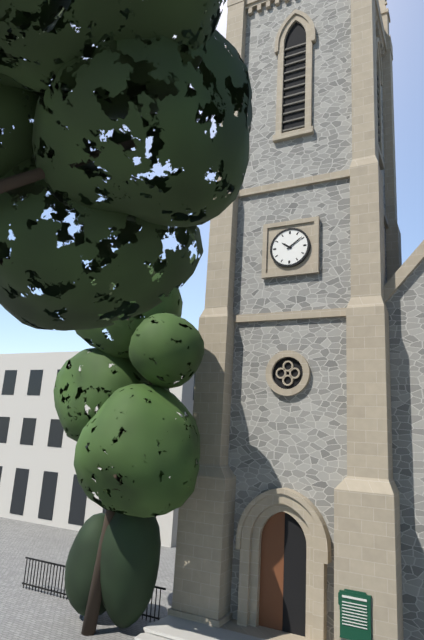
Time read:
10:09
